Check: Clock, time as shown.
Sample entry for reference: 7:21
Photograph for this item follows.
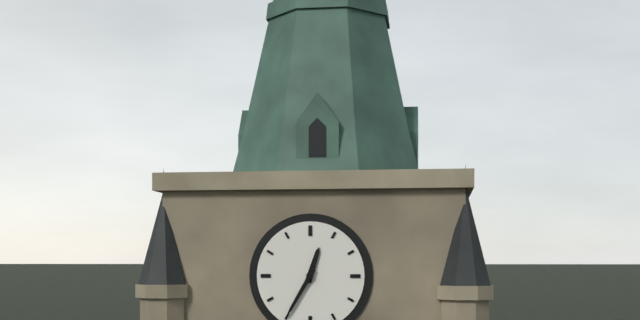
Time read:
12:35
